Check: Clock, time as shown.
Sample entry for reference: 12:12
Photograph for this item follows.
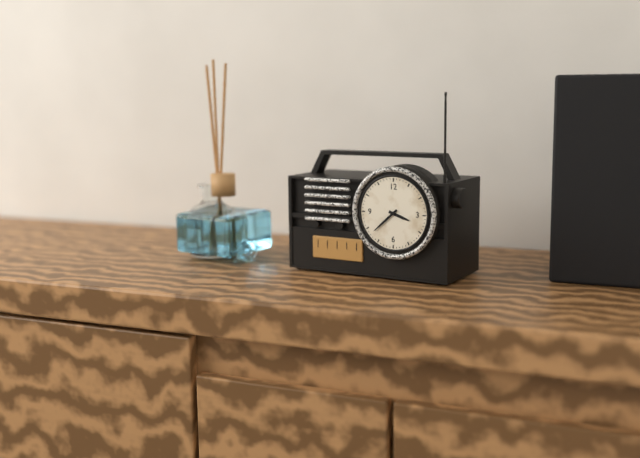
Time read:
3:38
